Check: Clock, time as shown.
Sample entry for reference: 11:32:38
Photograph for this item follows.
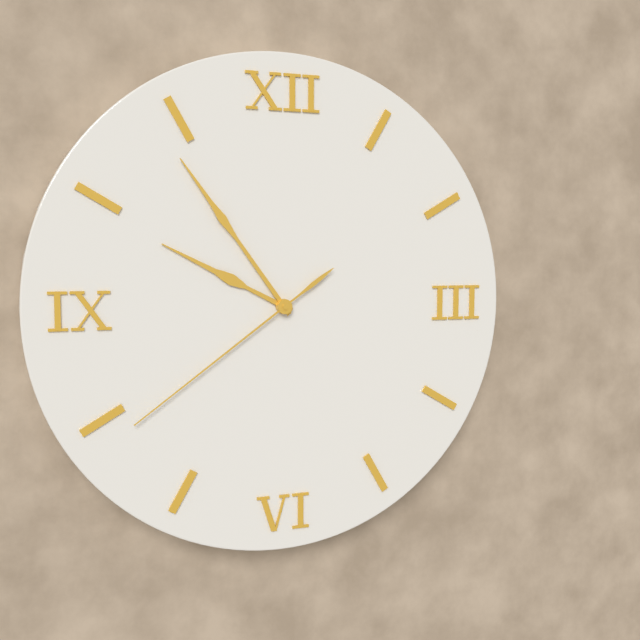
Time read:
9:54:39
